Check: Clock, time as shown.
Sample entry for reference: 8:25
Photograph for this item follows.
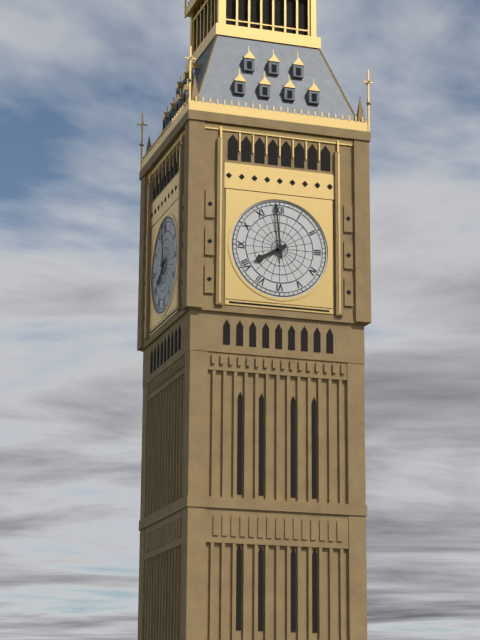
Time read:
7:59
